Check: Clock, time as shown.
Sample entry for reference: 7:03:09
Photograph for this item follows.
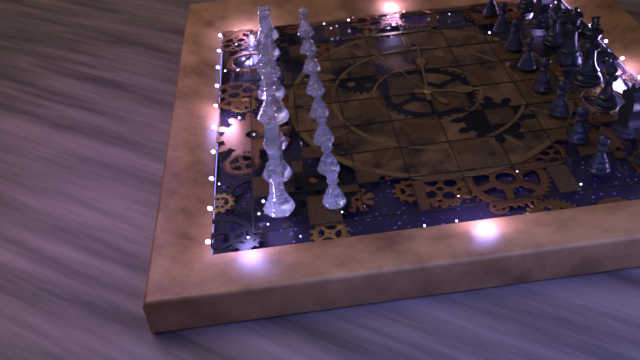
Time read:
6:16:11
